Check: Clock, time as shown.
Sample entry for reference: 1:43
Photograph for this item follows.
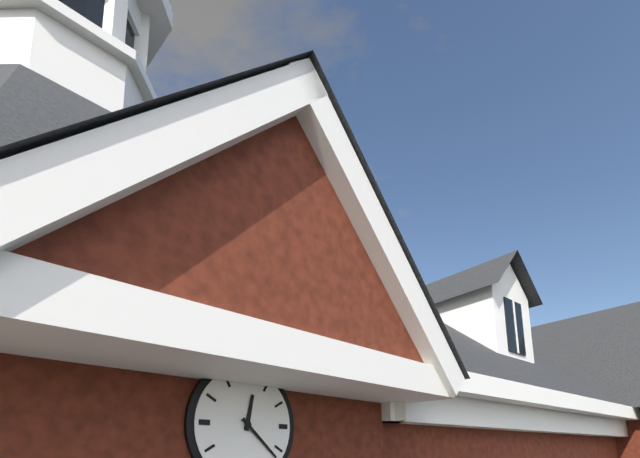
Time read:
12:22
